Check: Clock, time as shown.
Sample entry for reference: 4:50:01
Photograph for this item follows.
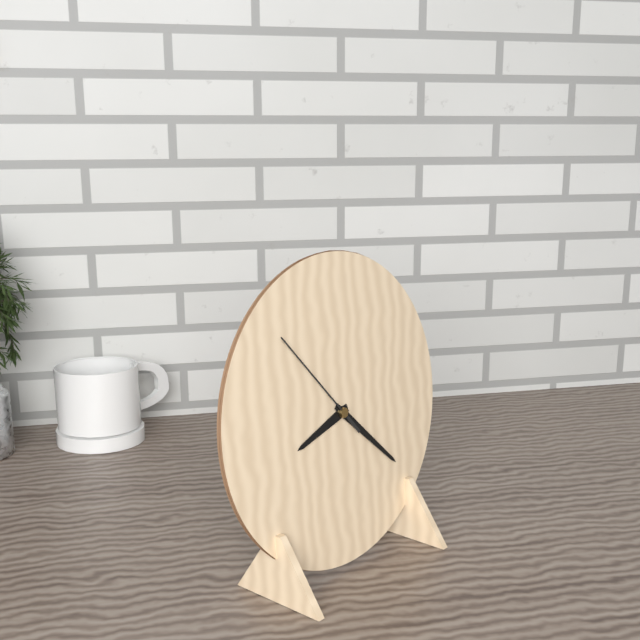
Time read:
8:22:53
